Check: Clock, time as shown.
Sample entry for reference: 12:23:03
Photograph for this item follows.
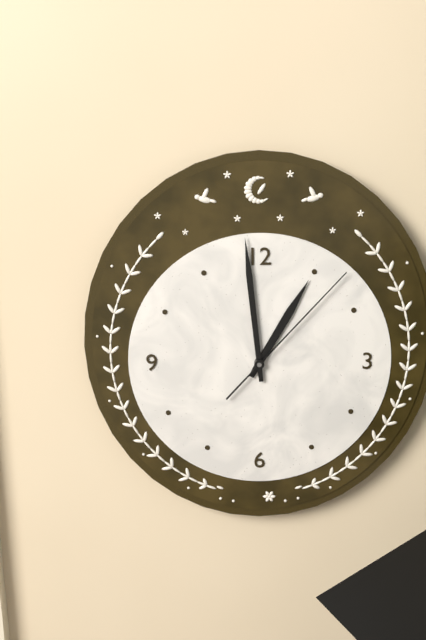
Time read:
12:59:07
